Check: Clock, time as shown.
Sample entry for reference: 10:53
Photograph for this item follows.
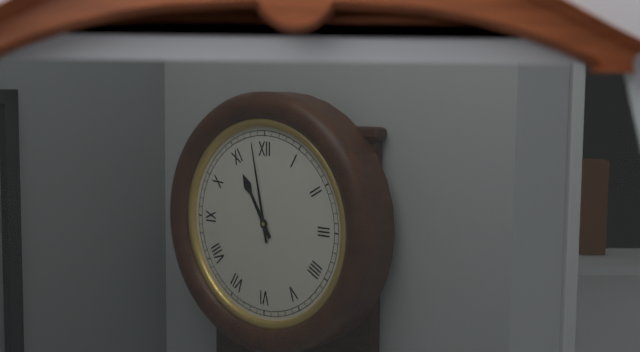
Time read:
10:58
